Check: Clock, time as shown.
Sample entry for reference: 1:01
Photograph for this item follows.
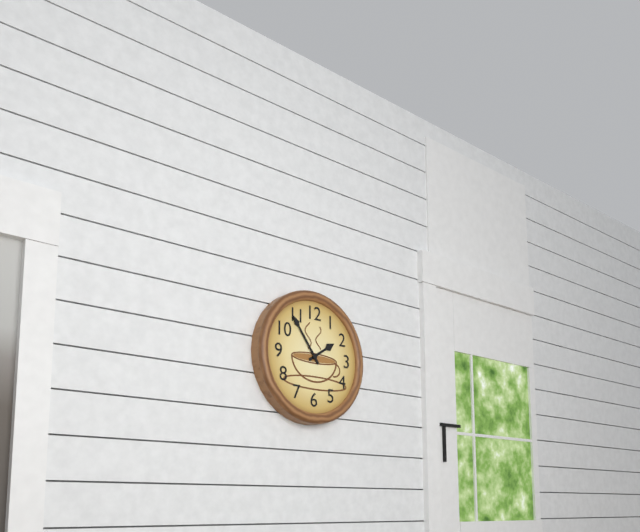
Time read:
1:54
